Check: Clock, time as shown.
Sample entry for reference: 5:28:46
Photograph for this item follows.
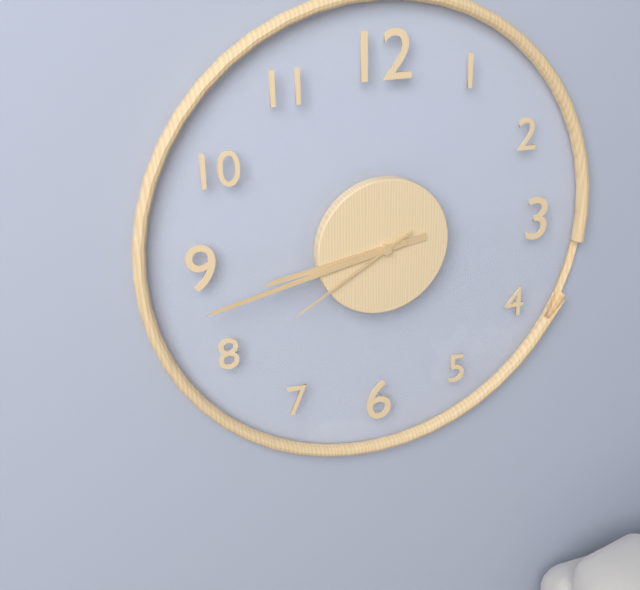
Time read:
8:43:40
